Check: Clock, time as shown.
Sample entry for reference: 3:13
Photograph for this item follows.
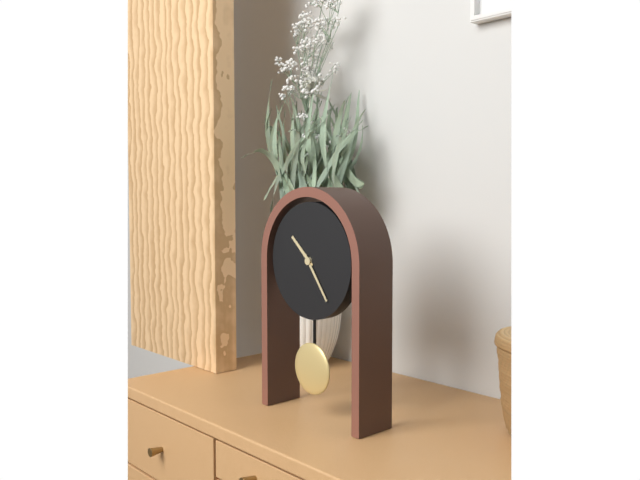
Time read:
10:24
